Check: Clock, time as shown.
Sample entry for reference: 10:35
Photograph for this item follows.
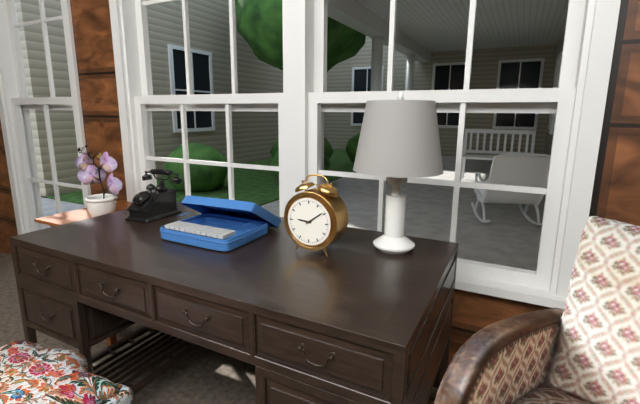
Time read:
9:09
